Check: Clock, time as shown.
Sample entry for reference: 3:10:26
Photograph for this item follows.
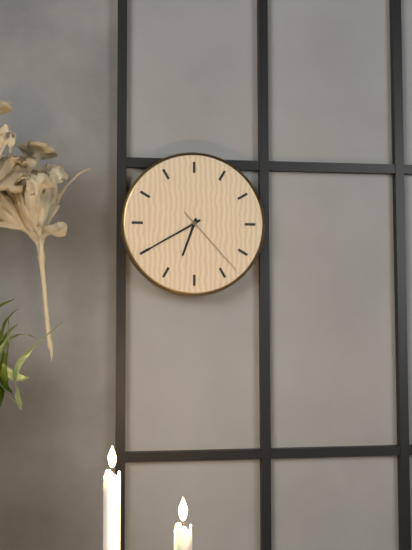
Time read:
6:40:23
